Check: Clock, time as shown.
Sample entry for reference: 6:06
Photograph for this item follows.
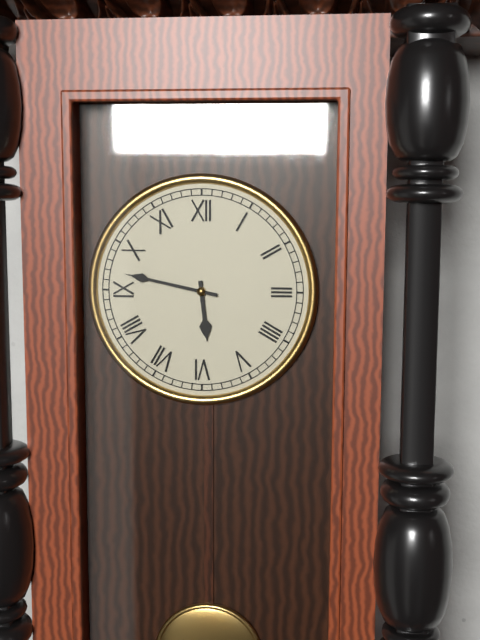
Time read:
5:47
